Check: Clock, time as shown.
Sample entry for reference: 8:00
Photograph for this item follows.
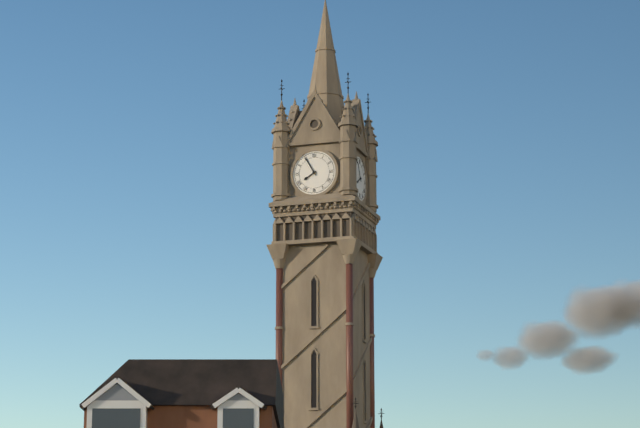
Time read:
7:55
